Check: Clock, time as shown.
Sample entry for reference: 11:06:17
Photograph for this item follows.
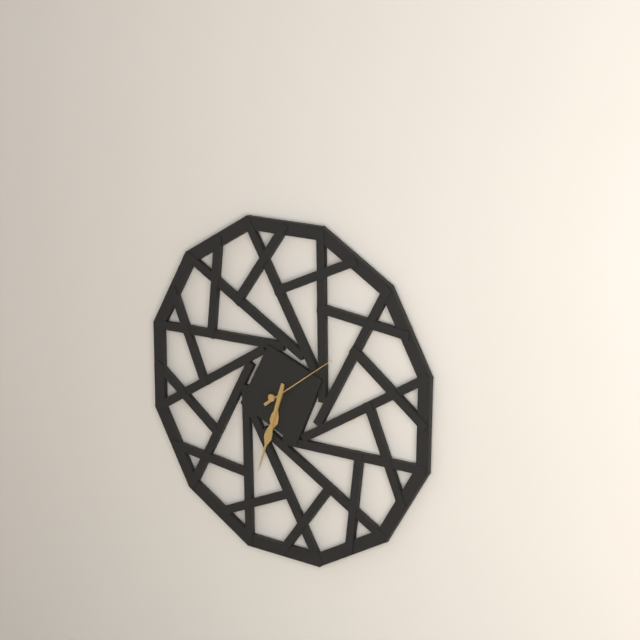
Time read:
6:33:09
